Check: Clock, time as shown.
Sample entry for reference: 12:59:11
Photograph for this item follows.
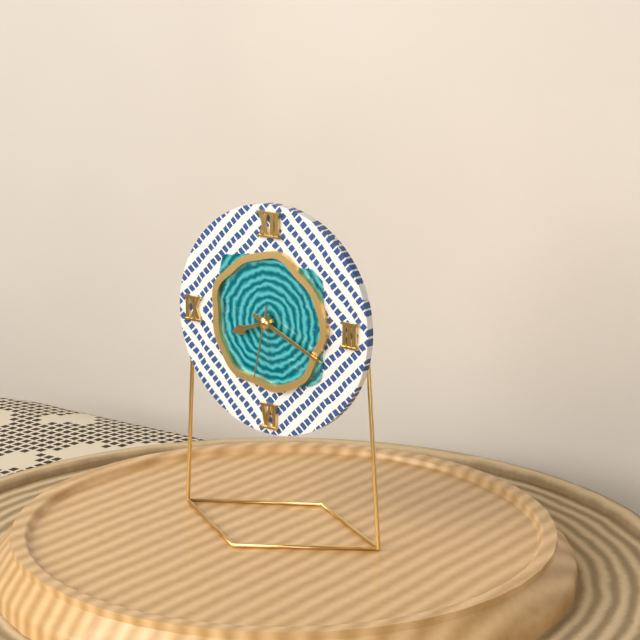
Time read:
8:19:32
